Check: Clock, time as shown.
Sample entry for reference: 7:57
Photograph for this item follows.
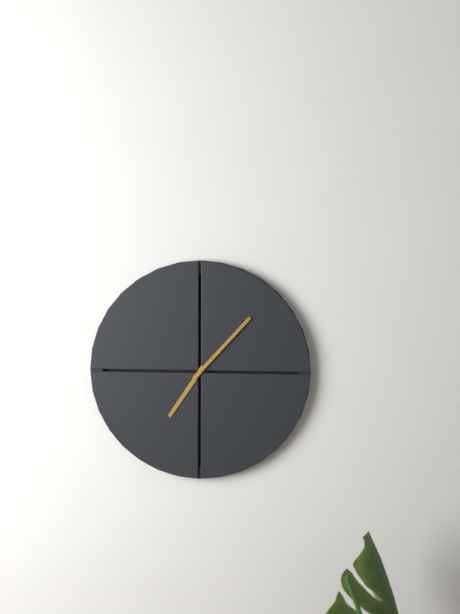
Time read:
7:07
